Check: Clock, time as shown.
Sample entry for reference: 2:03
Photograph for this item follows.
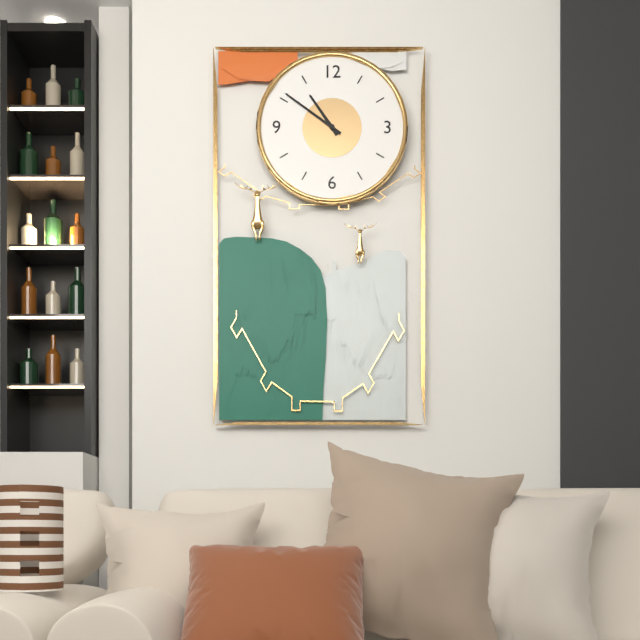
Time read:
10:51
